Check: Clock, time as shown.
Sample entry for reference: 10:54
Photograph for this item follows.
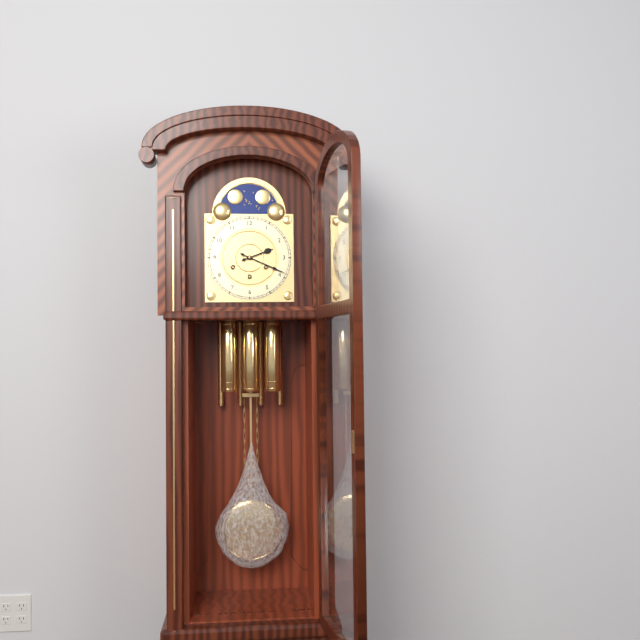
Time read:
2:19
